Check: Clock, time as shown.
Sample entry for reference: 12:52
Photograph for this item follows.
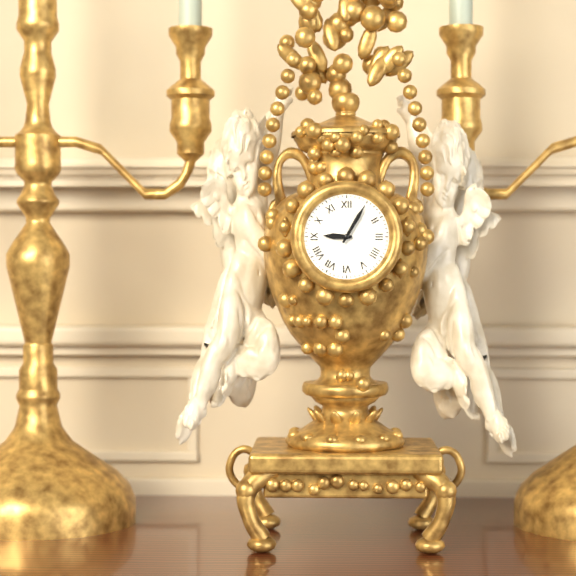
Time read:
9:05
